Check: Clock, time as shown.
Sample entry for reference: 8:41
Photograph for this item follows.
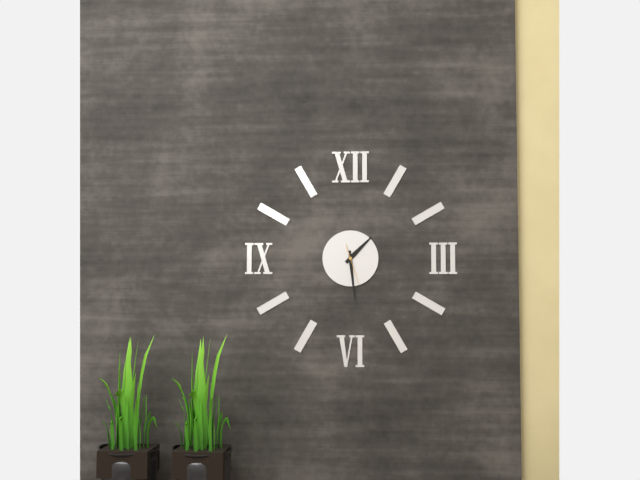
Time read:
1:29
